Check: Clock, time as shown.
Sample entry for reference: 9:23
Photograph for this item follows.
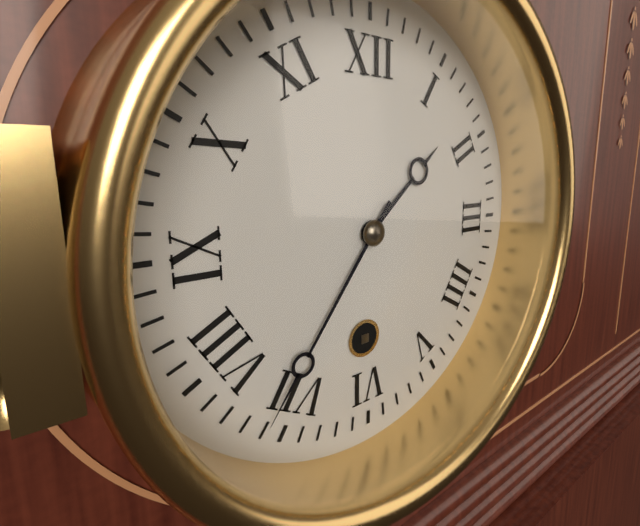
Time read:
1:36
